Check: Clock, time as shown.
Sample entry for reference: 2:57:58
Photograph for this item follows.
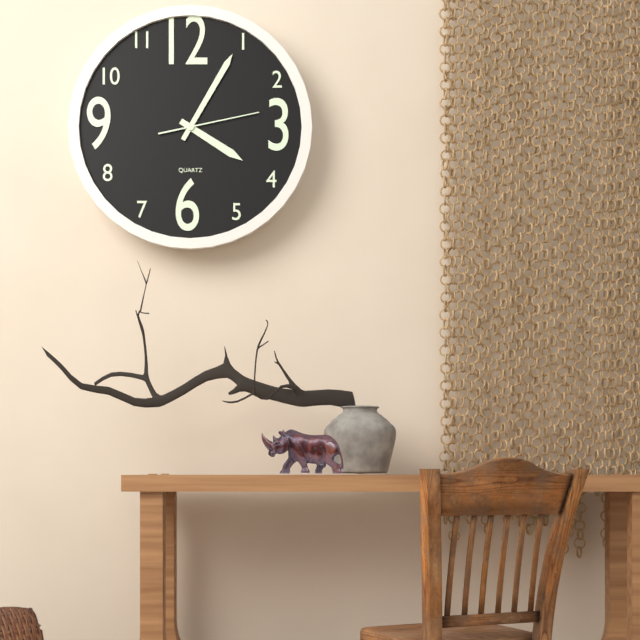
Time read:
4:05:13
